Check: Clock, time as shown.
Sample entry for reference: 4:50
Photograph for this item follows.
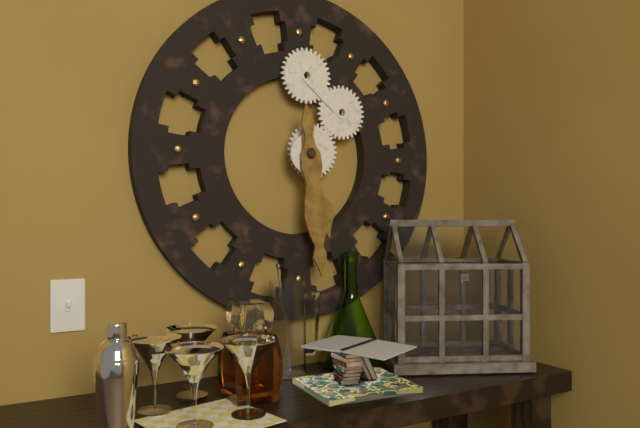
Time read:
5:29
